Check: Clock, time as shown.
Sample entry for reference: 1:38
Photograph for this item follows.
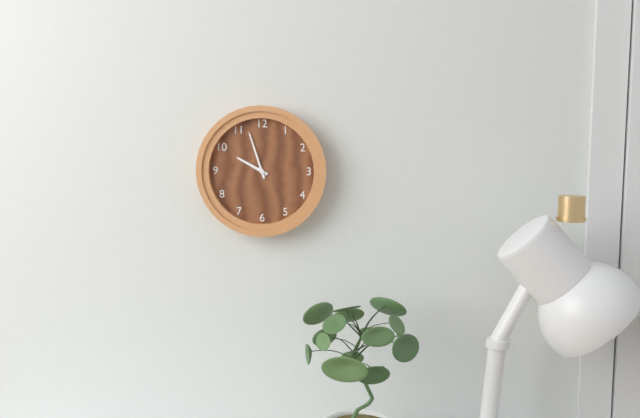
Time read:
9:57
